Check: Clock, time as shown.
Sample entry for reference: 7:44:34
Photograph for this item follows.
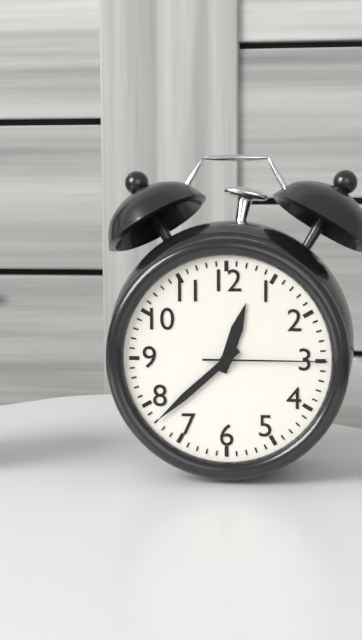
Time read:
12:38:15
